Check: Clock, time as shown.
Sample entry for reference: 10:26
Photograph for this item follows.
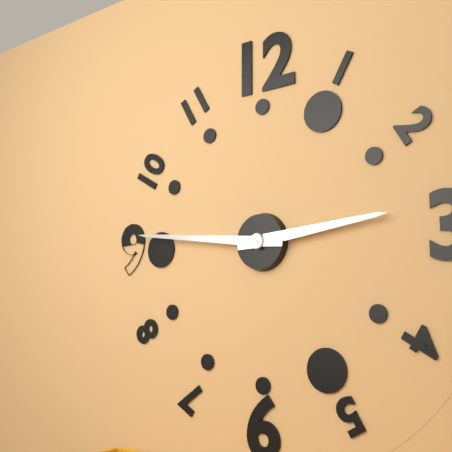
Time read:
2:46
